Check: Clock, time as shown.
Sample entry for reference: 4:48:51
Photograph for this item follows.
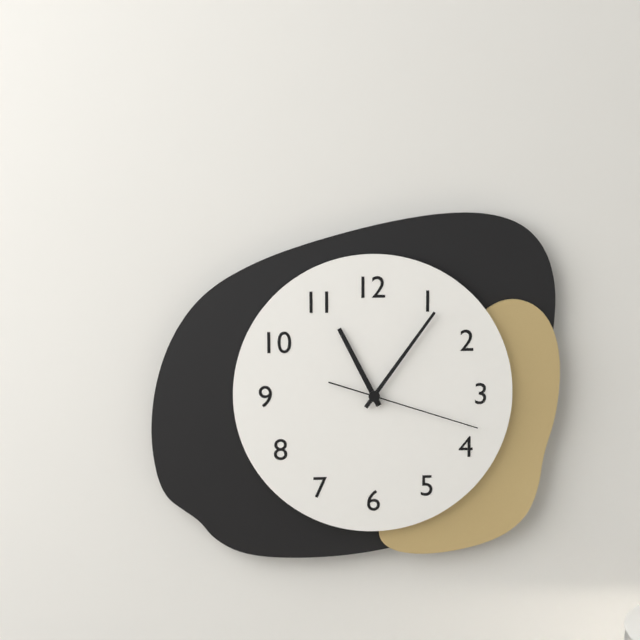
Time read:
11:06:18
